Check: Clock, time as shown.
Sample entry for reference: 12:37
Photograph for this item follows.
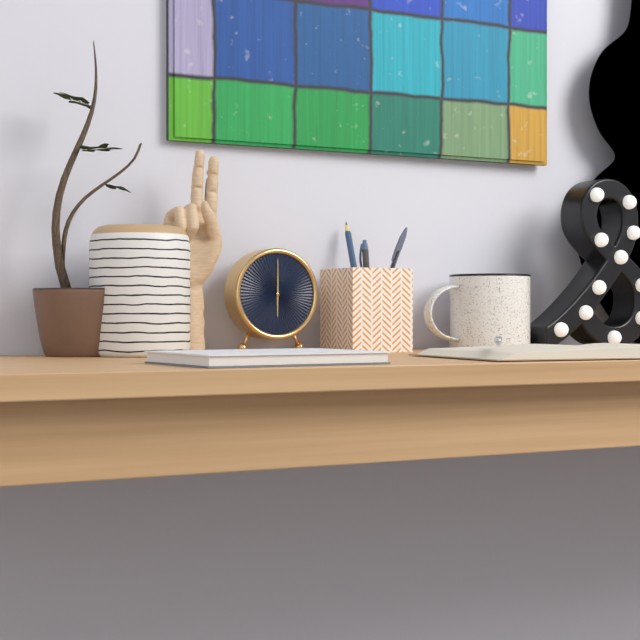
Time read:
6:00
